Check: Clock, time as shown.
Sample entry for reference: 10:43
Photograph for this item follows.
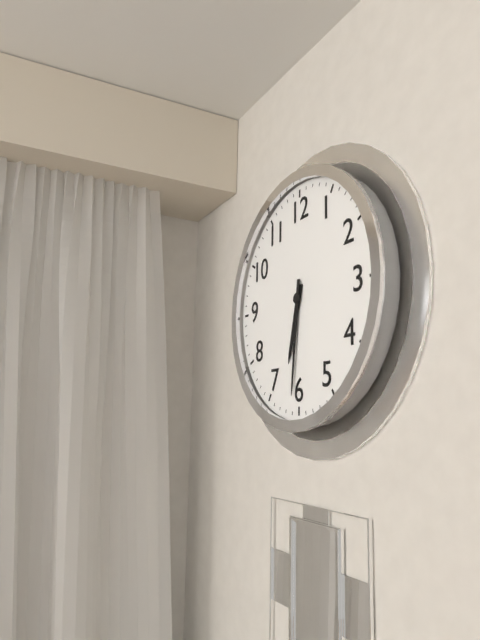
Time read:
6:31
